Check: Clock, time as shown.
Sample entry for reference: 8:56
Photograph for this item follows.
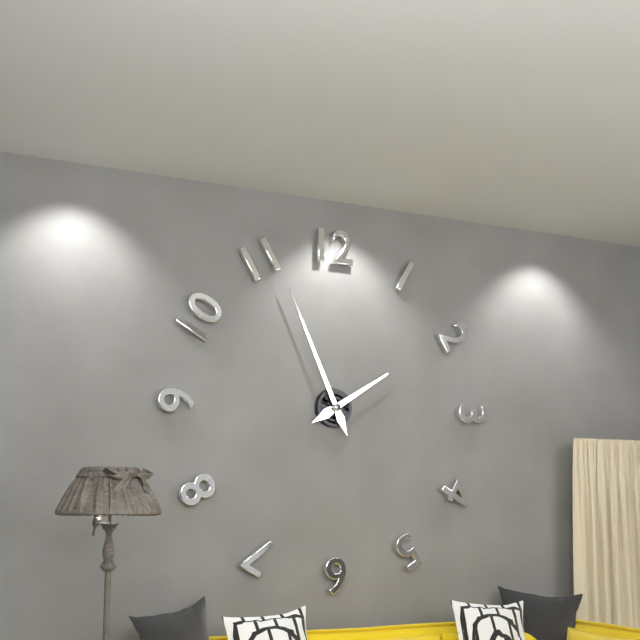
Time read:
1:56
